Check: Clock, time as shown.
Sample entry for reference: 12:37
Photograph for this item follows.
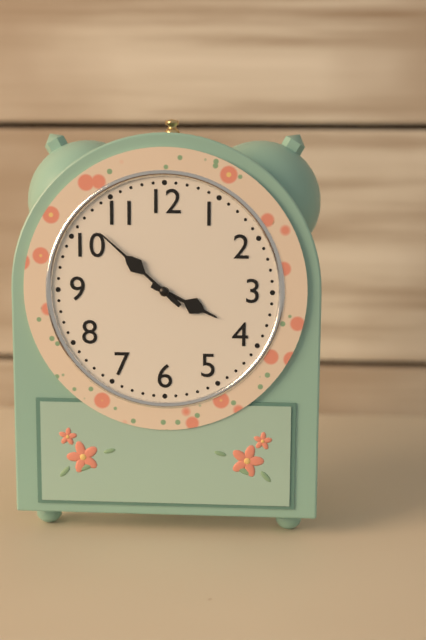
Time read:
3:52
